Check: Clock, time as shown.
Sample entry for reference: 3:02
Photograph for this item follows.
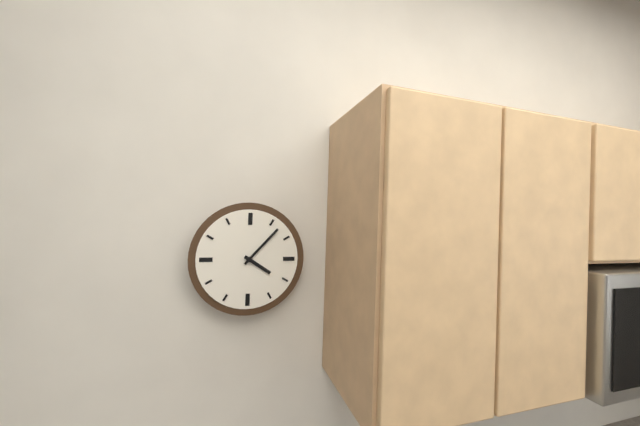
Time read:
4:07
